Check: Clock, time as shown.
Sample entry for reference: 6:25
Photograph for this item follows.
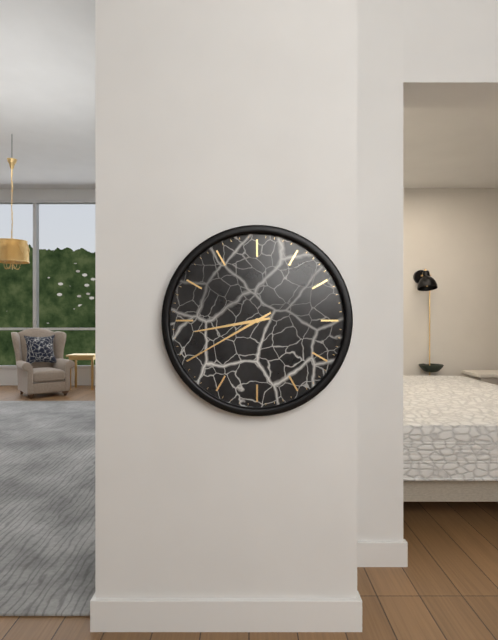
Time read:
8:40
